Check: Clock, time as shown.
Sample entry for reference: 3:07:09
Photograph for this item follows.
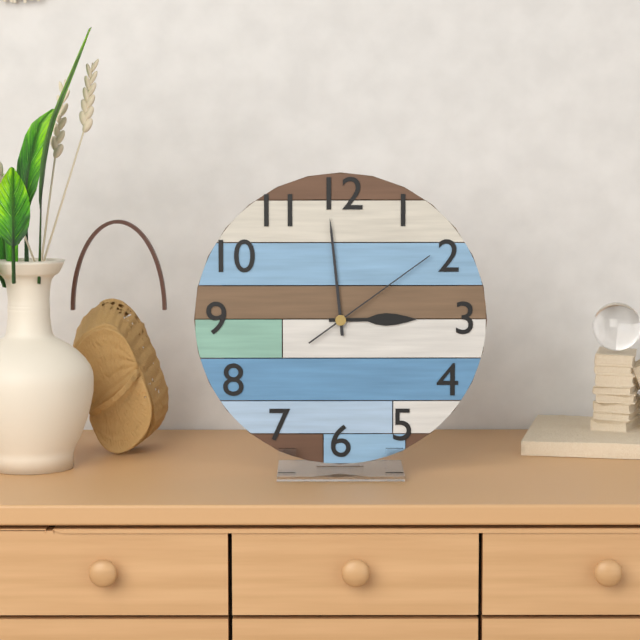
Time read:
2:59:09
